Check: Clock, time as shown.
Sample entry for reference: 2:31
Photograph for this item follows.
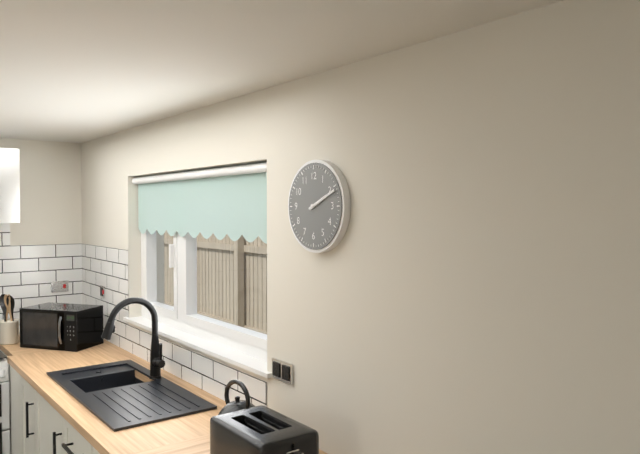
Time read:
2:11
